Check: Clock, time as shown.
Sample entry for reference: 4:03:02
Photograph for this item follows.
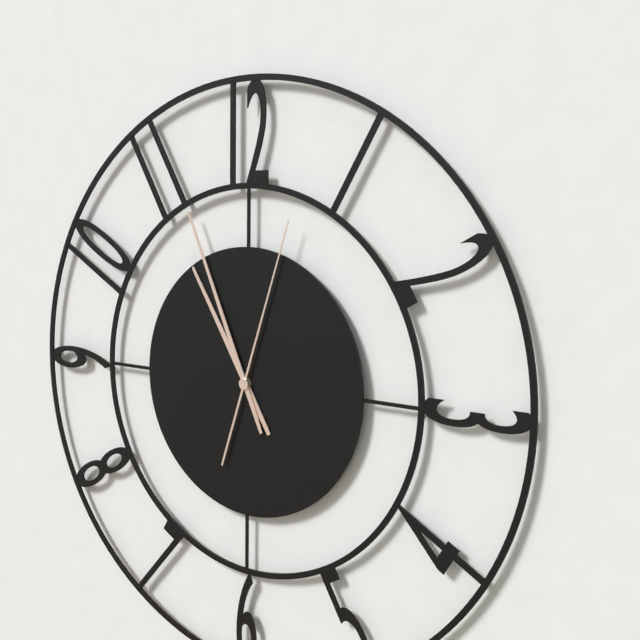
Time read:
10:56:03
